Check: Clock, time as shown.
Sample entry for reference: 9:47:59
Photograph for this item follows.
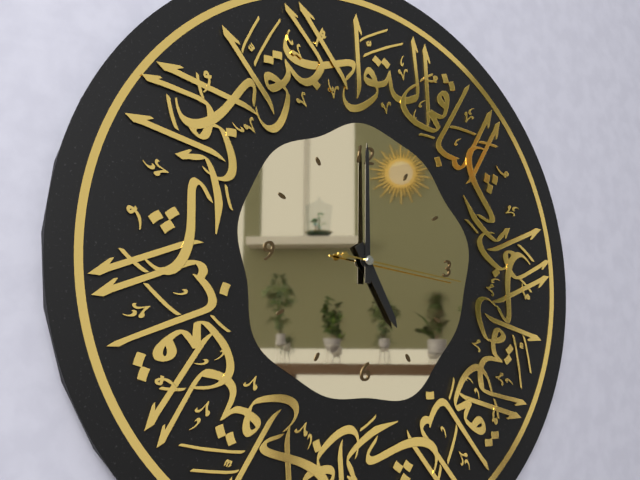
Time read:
5:00:16
